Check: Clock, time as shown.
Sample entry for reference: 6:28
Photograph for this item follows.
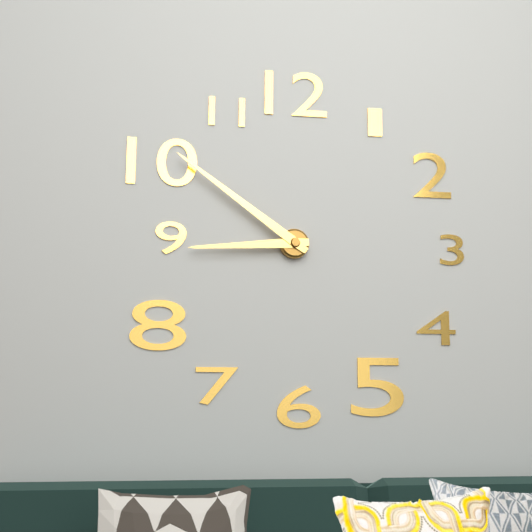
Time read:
8:51
